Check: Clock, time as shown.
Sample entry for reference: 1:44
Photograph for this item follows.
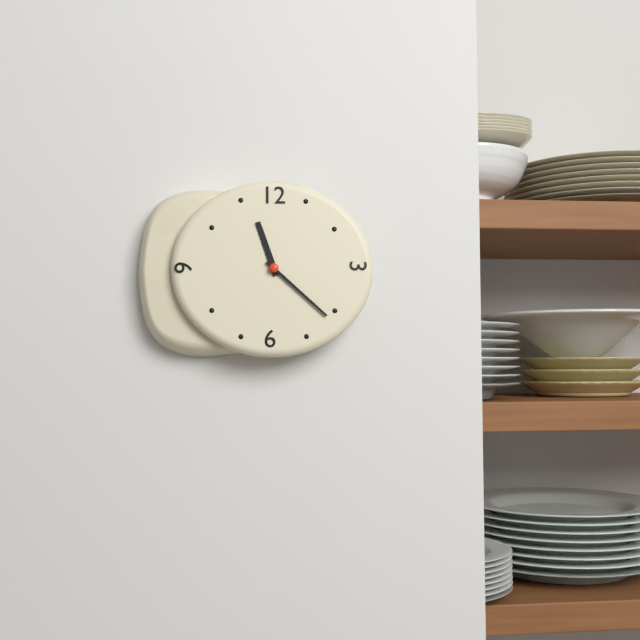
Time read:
11:22
